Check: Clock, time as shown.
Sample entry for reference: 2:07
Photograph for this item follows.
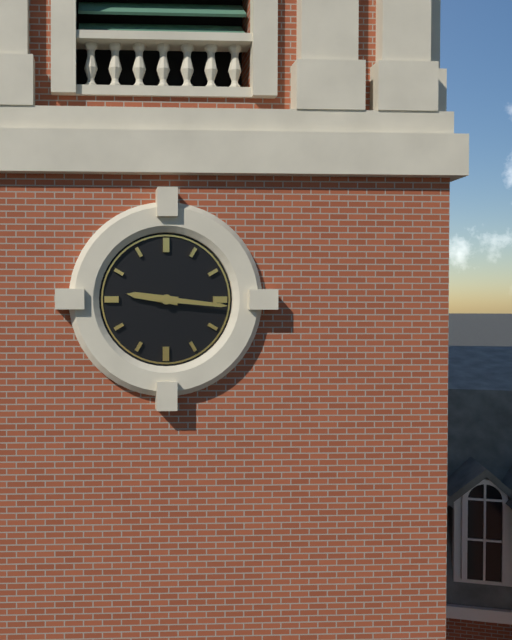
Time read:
9:16
